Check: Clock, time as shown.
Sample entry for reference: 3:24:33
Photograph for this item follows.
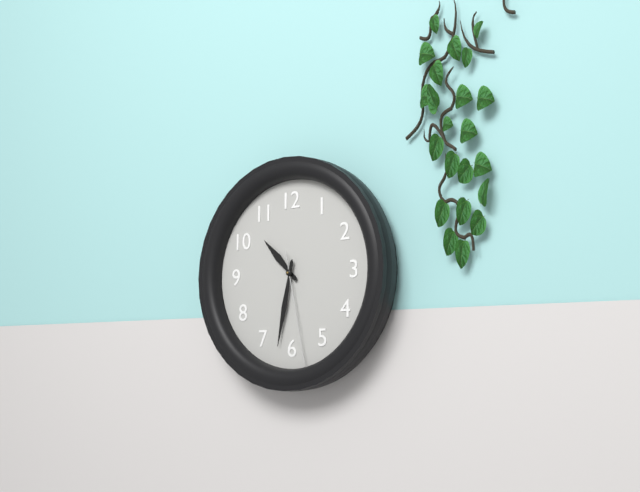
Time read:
10:32:28
